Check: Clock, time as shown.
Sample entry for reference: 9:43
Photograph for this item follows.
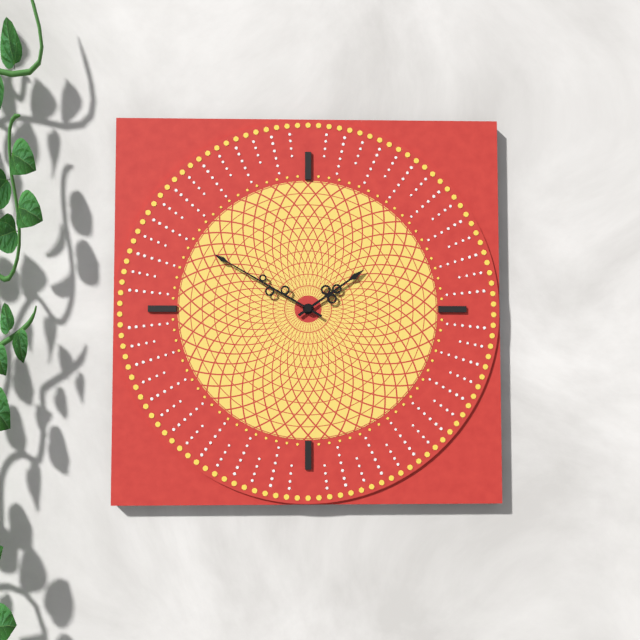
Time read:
1:50
